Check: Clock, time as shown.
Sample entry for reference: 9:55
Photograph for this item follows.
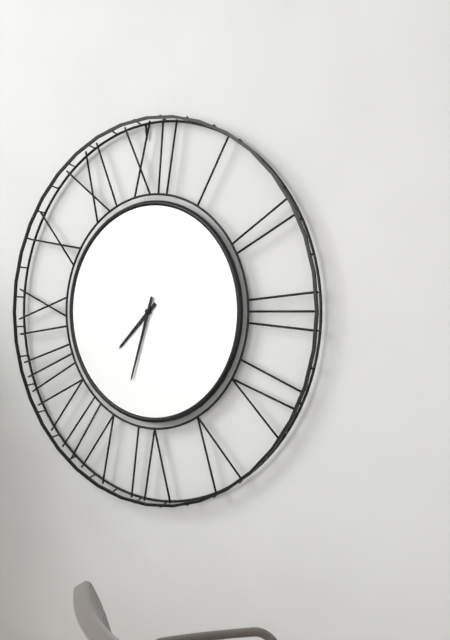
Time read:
7:33
